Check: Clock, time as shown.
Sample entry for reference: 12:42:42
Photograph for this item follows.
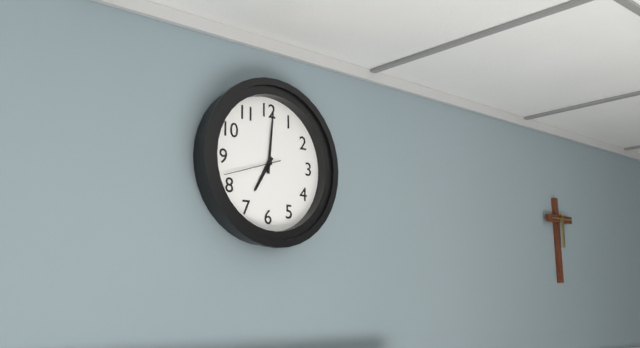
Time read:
7:01:42
